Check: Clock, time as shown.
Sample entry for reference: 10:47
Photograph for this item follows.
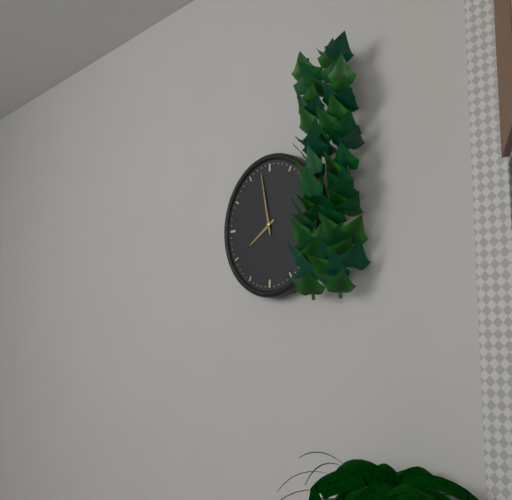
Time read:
7:58
